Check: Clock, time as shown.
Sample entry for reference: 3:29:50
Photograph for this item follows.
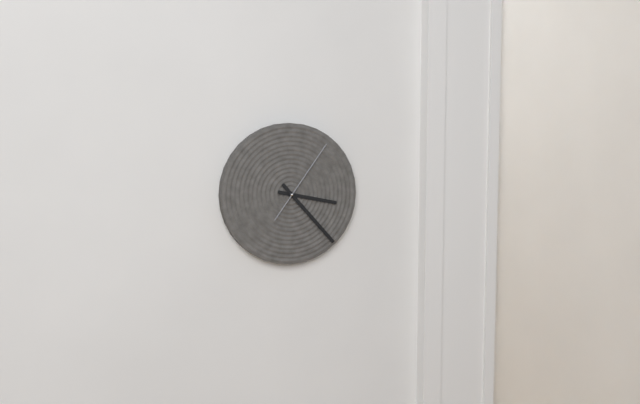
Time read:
3:23:06
